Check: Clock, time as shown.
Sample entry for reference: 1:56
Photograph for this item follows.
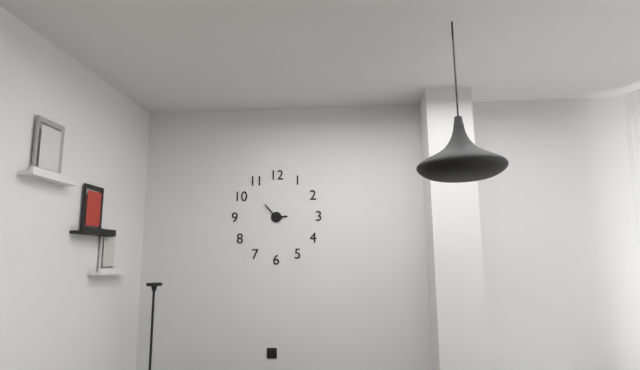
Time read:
2:53
